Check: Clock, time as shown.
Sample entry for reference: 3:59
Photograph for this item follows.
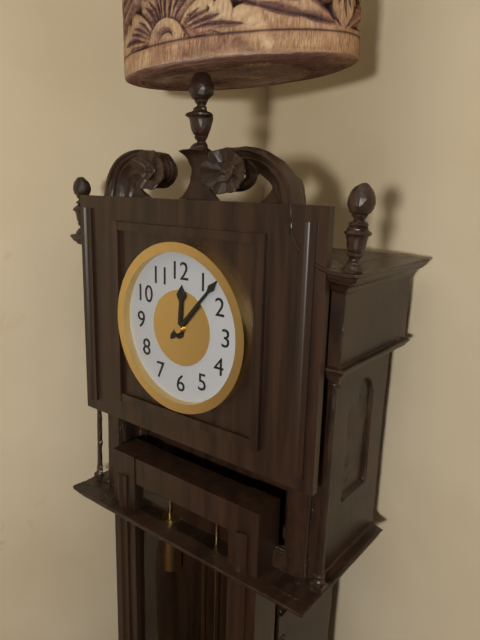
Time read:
12:07
